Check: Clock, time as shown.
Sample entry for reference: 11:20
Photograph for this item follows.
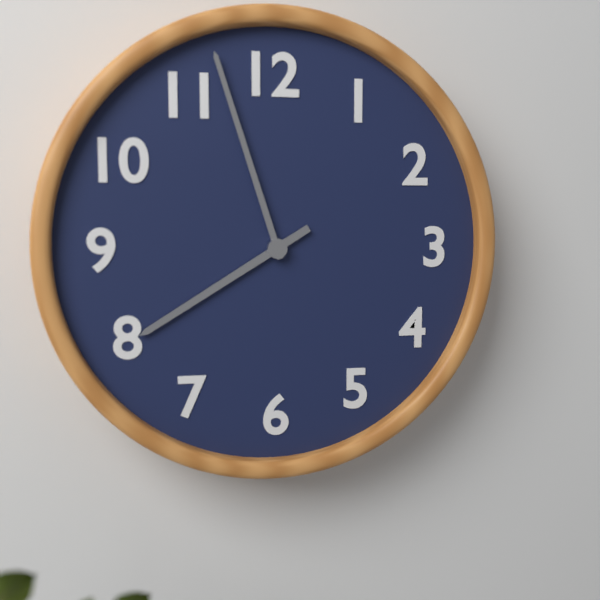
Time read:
7:57
